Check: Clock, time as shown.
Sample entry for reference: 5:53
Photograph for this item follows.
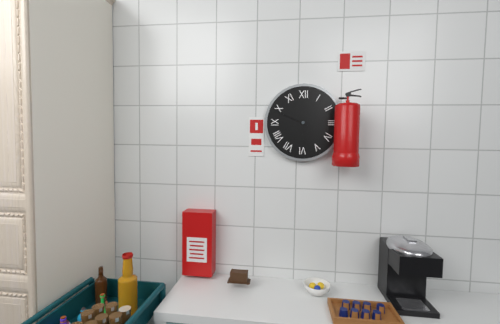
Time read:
5:49
